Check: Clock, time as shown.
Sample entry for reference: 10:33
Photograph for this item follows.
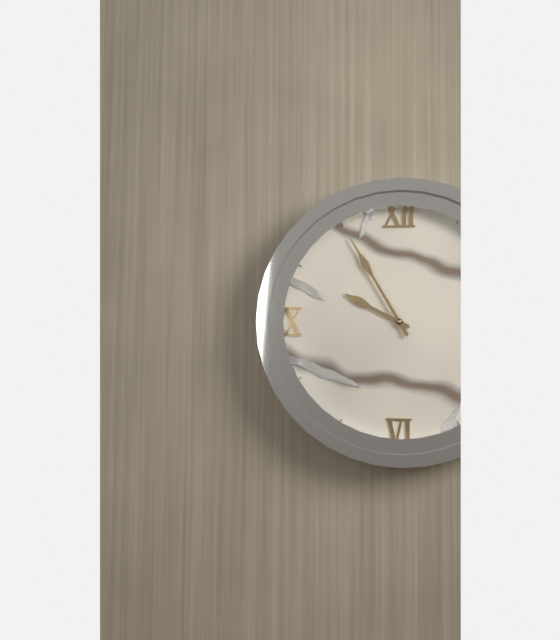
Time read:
9:55
